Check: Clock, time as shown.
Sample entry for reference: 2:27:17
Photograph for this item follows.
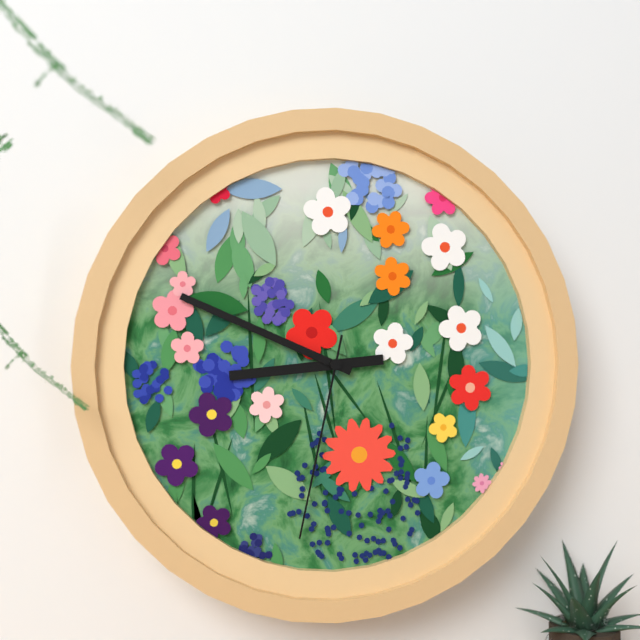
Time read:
8:49:32
